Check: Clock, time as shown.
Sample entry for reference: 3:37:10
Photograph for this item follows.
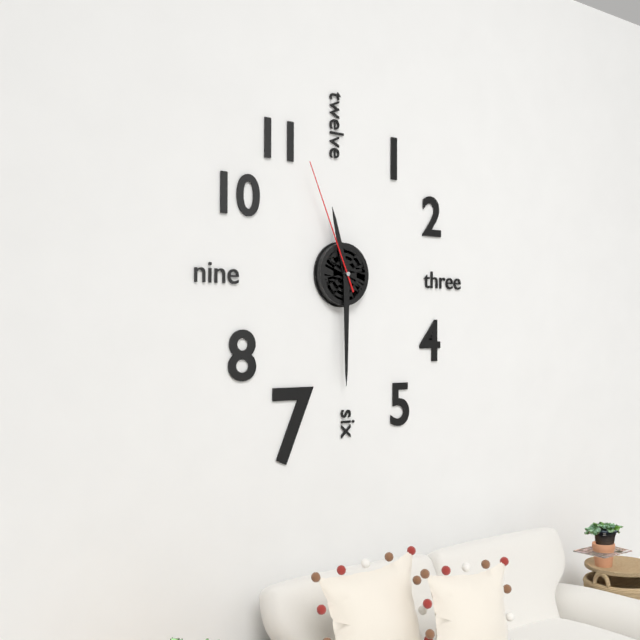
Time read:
11:30:56
